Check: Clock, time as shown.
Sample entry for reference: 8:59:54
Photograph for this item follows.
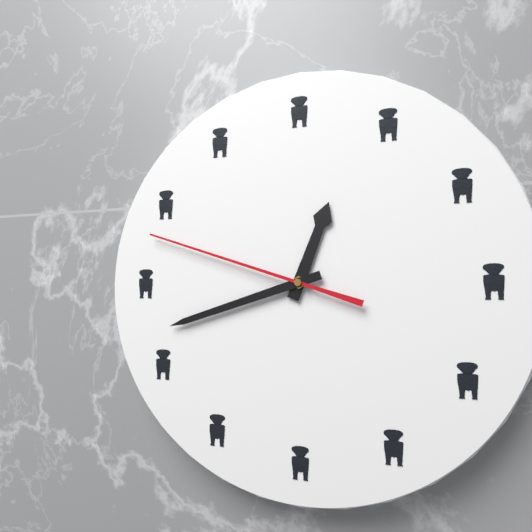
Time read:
12:42:48
